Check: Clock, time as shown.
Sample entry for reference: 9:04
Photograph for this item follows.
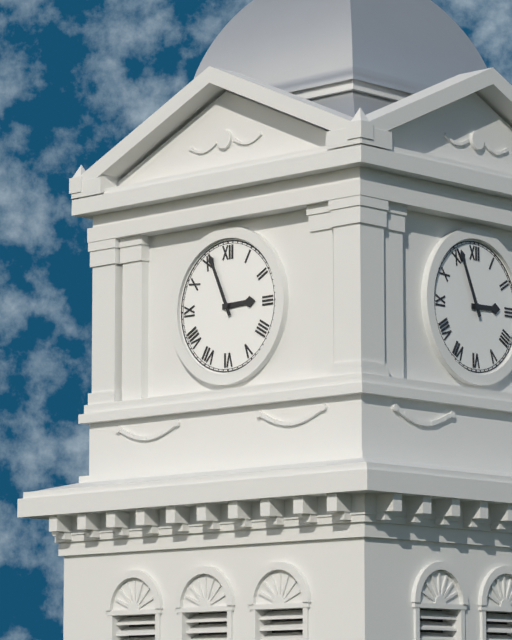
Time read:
2:56
